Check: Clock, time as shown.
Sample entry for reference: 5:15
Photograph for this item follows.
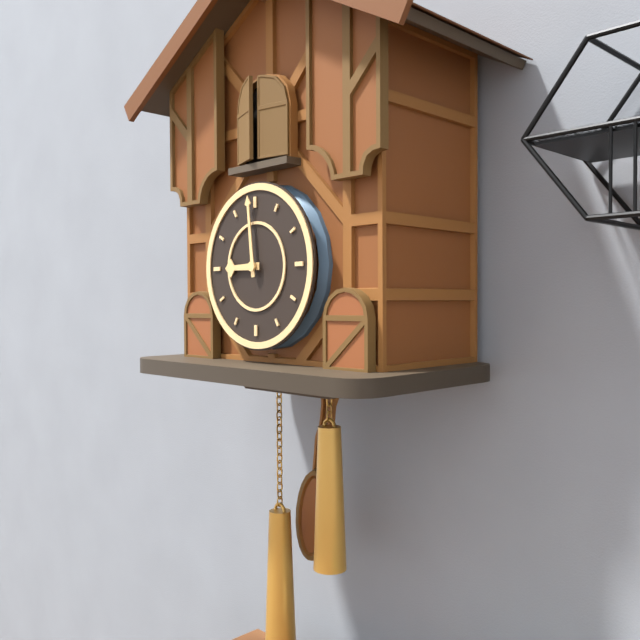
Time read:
8:59
